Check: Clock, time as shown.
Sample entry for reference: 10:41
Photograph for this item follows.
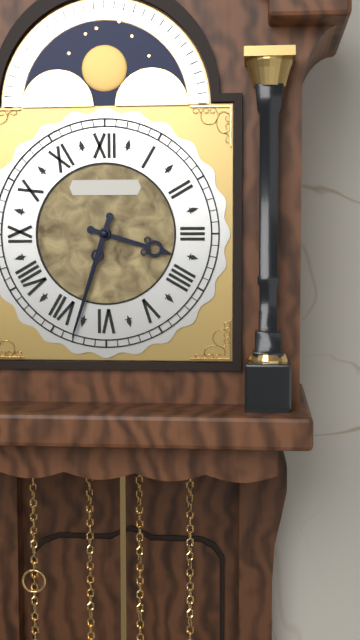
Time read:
3:33
